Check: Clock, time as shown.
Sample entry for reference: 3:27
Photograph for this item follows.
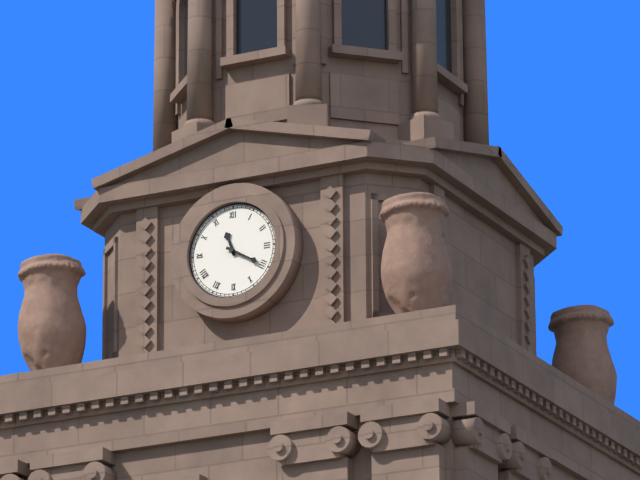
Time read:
11:20
